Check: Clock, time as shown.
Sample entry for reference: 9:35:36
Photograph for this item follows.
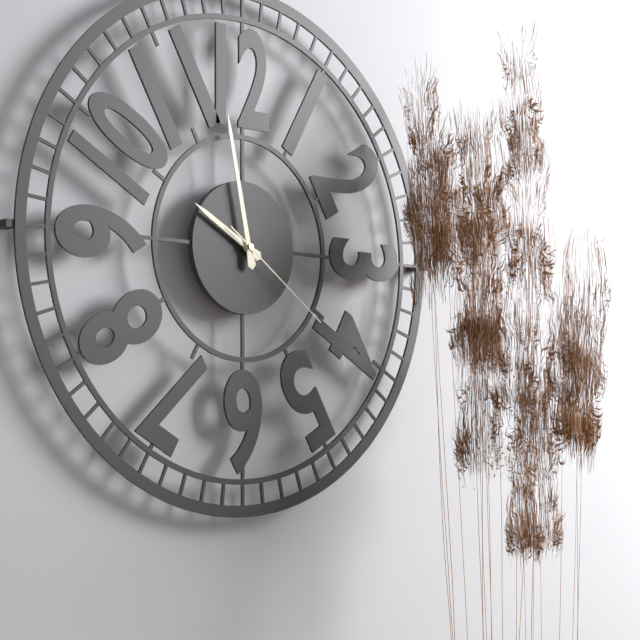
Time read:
9:58:21
